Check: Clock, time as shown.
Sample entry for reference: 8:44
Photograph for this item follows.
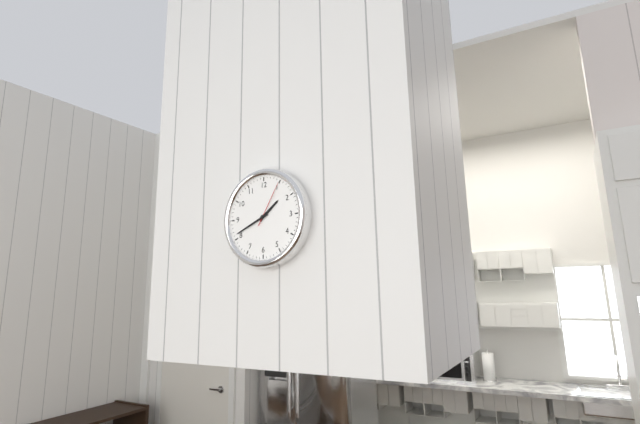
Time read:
1:41
